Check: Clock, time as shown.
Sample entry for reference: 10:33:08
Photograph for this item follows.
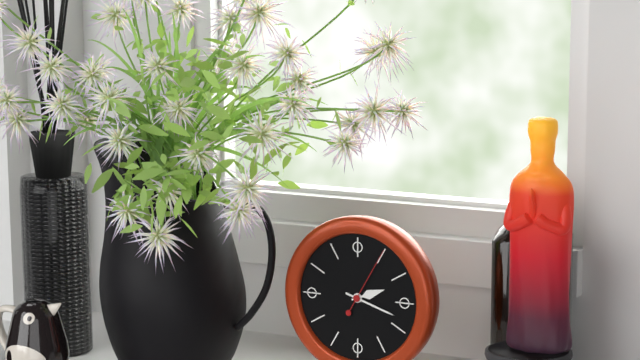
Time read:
2:18:05
